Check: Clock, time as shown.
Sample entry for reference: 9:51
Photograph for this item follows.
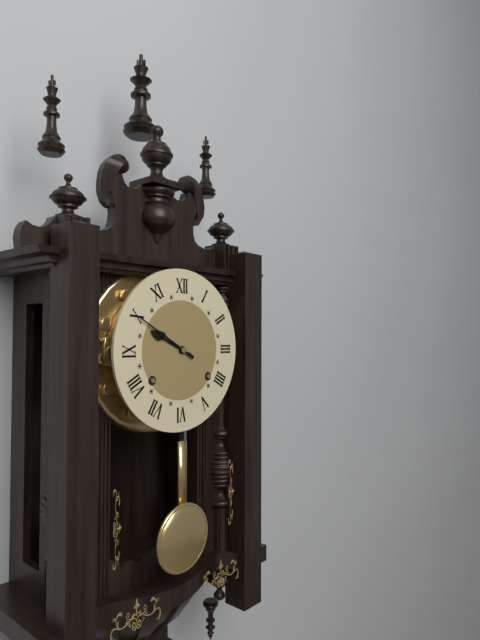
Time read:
9:50
